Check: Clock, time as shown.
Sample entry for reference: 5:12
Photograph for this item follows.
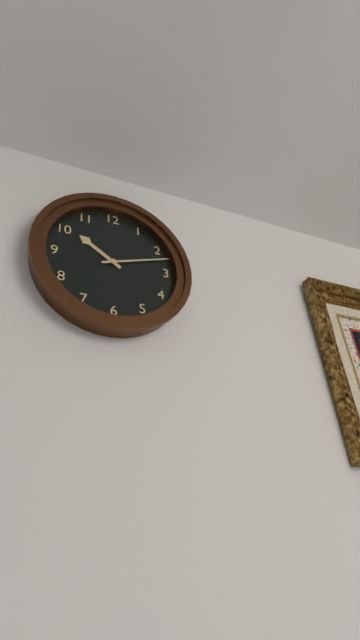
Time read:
10:12
